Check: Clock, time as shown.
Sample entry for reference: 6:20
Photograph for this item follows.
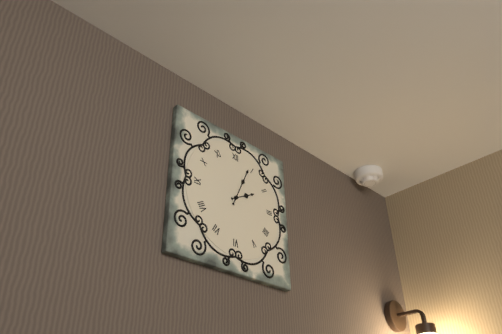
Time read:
2:04
